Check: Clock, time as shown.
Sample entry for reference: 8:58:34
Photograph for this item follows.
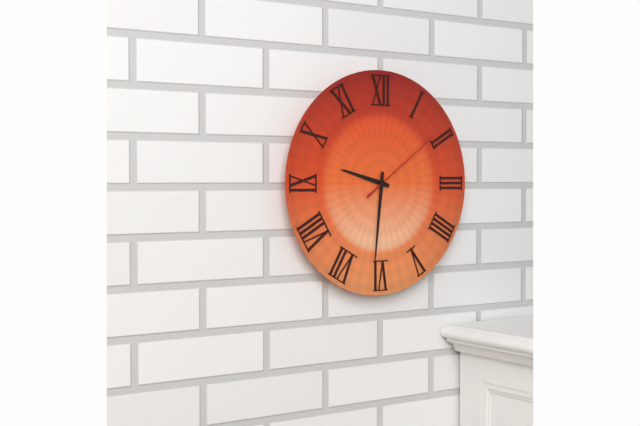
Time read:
9:31:09
